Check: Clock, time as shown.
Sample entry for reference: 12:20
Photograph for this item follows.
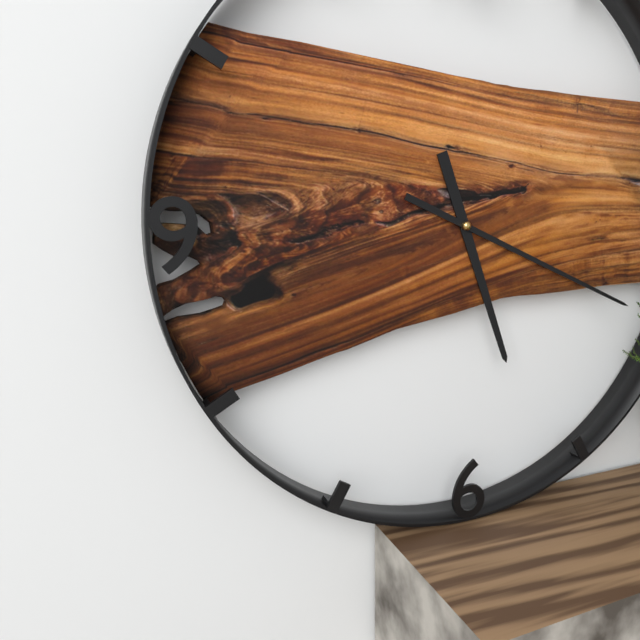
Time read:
5:19
